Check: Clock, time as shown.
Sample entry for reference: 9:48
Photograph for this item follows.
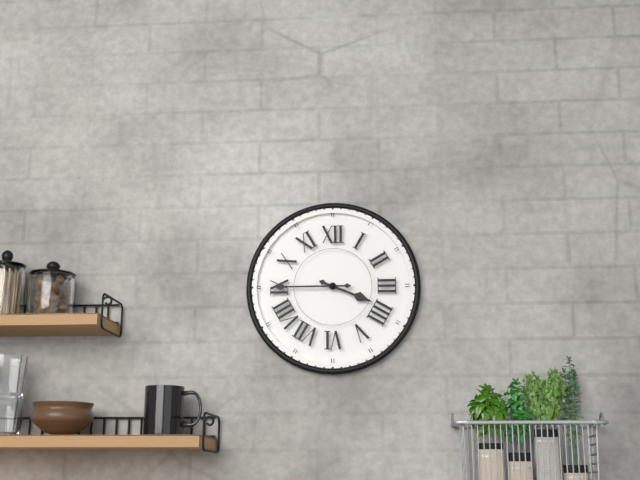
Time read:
3:45
